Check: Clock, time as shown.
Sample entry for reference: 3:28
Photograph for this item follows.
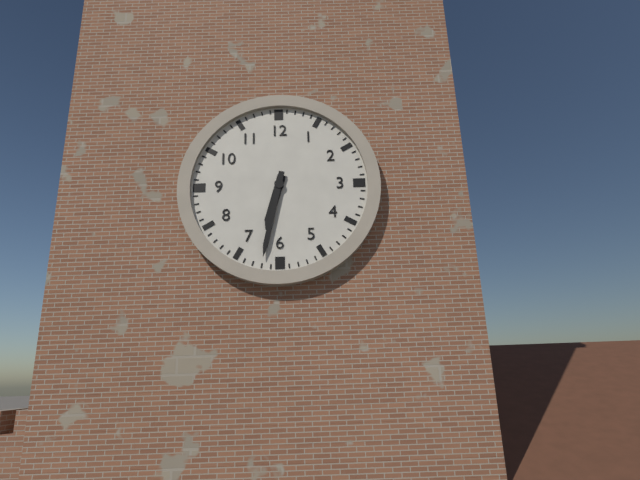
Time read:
6:32
